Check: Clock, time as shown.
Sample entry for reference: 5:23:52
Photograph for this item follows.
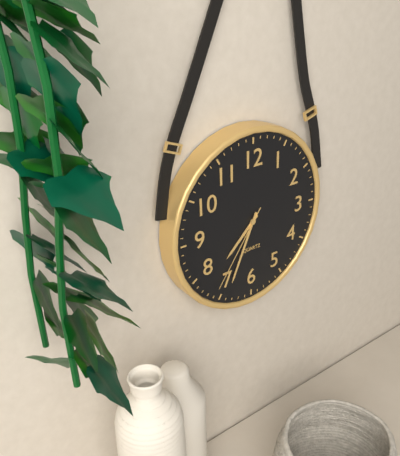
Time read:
7:34:36
